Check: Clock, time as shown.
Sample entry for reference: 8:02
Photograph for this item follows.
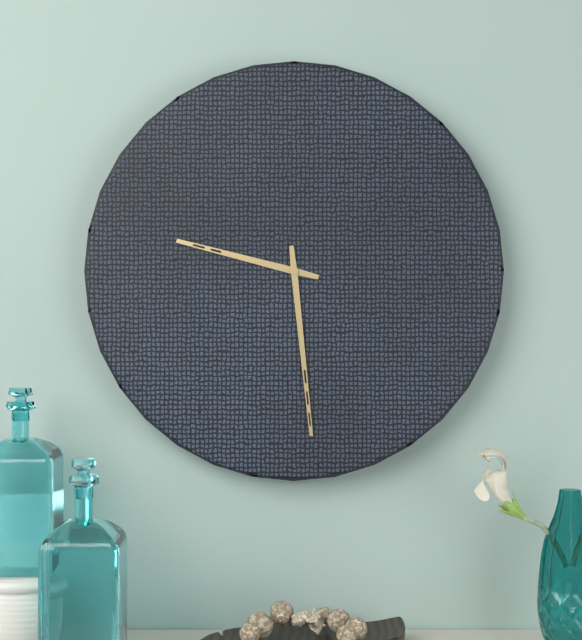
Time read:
9:29
